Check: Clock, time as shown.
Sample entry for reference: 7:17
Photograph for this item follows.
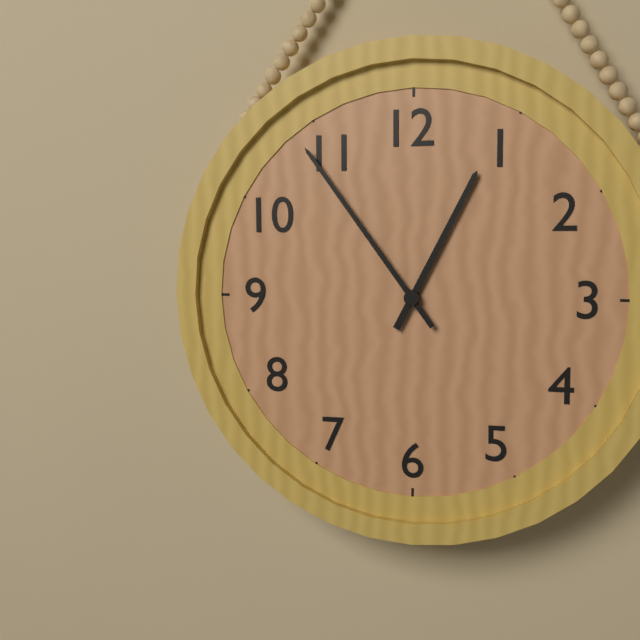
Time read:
12:54
